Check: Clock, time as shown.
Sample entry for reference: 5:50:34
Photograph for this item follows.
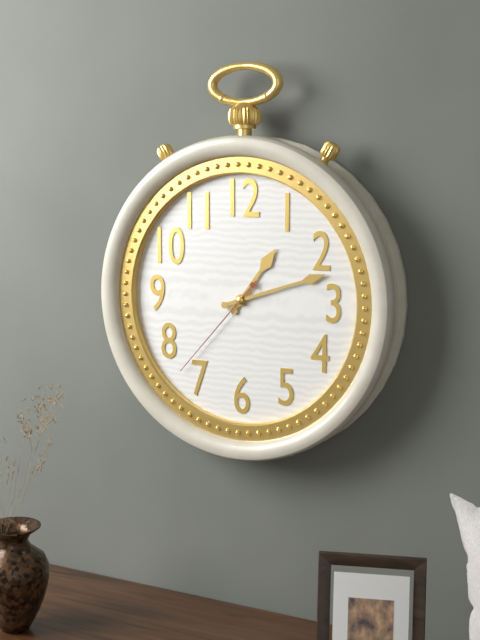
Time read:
1:12:37
